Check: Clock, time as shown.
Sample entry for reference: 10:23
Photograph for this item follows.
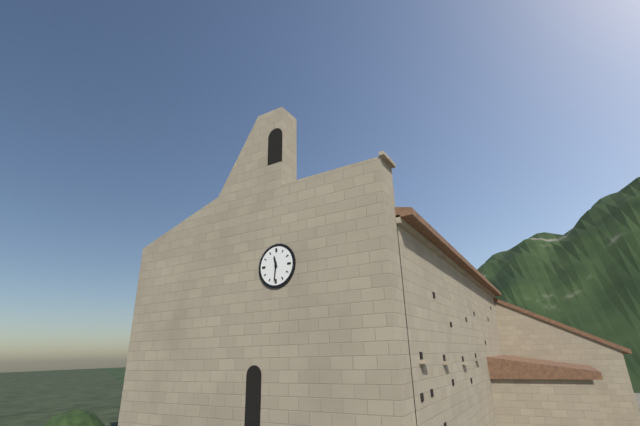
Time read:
11:31
